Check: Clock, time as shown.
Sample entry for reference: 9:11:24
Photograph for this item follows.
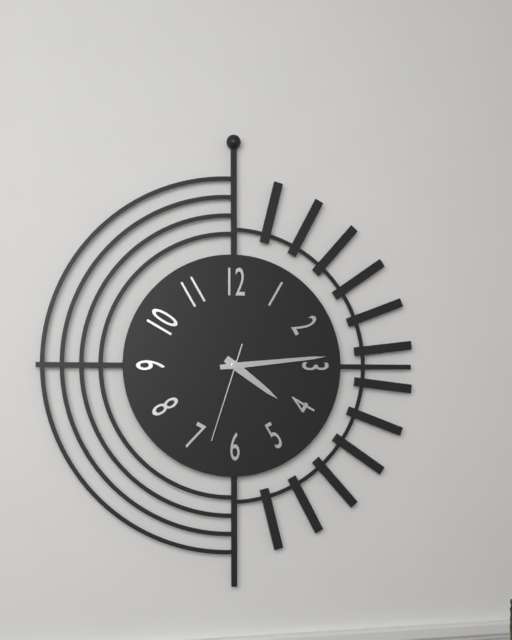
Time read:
4:14:33
